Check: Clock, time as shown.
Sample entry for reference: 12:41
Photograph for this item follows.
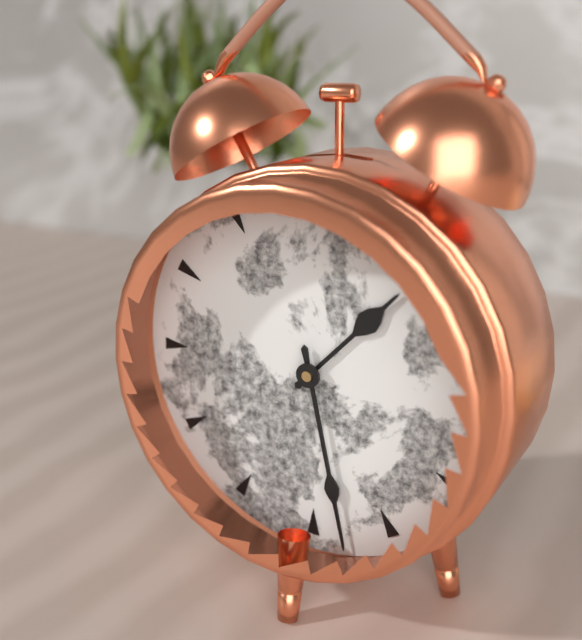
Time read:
1:28
